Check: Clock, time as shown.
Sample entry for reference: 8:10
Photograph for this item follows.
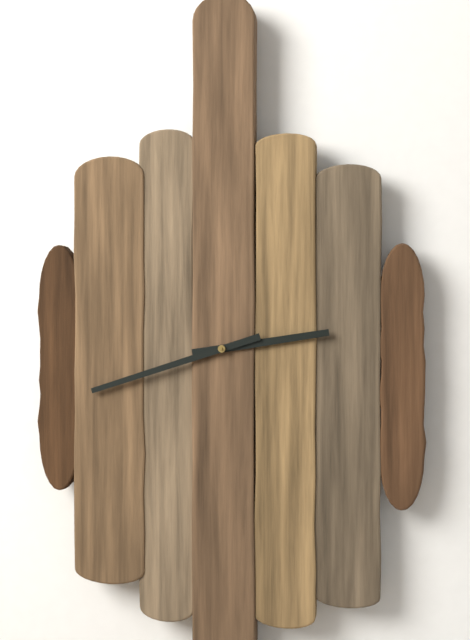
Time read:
2:42
